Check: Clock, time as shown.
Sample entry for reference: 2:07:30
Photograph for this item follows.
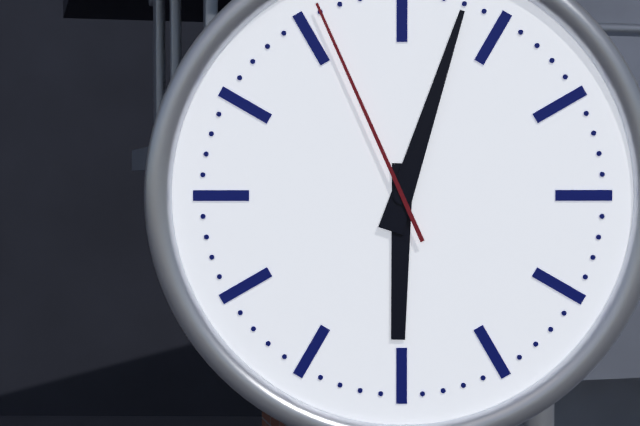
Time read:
6:03:56
